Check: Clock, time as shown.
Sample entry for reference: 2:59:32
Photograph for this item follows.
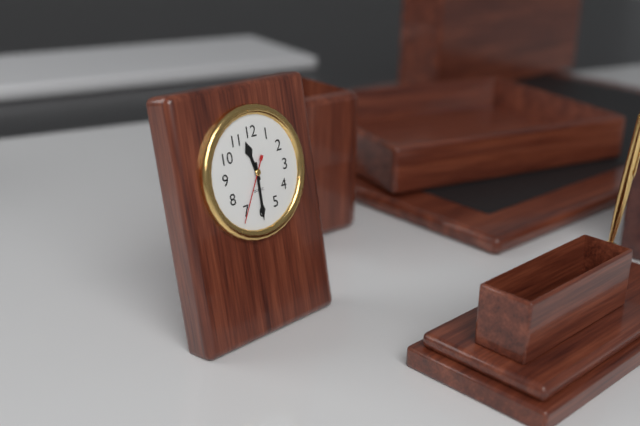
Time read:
11:30:35
